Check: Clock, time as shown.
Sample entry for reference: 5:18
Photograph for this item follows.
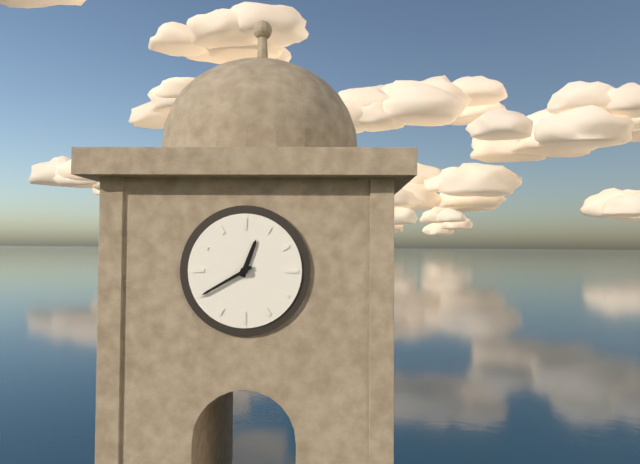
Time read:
12:40
